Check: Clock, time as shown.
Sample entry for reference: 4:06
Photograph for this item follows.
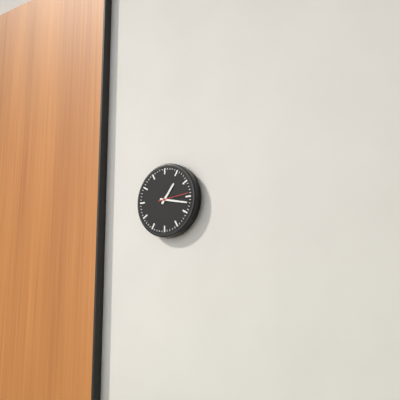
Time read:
1:17
